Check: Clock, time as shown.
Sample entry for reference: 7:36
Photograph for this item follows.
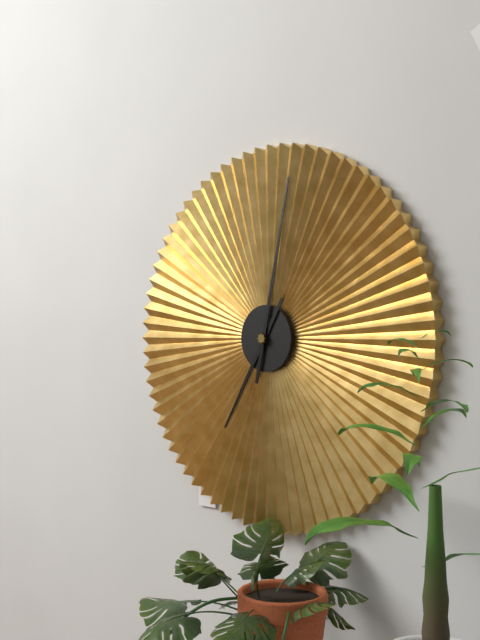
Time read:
7:02
